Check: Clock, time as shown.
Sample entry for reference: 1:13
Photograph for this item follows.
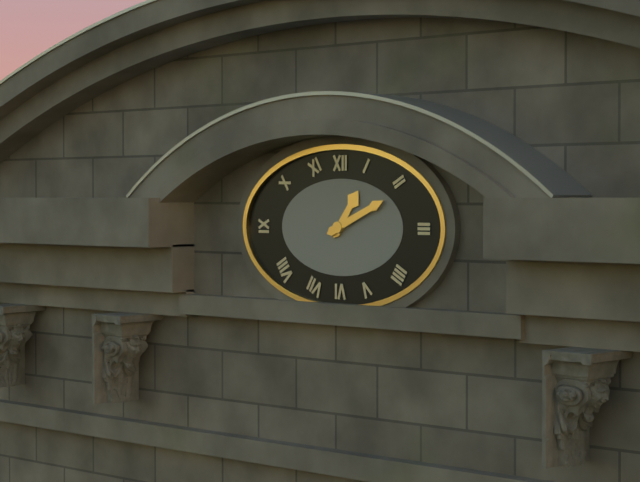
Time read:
1:11
